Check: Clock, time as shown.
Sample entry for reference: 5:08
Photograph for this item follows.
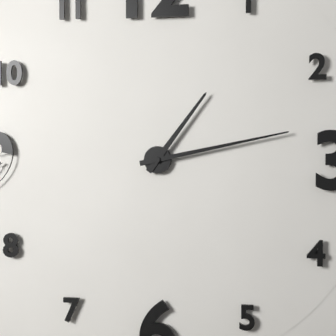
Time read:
1:13
